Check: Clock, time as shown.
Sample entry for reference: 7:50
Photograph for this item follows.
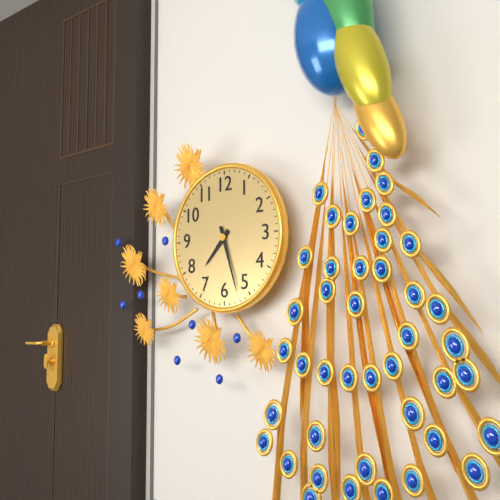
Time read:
7:27
